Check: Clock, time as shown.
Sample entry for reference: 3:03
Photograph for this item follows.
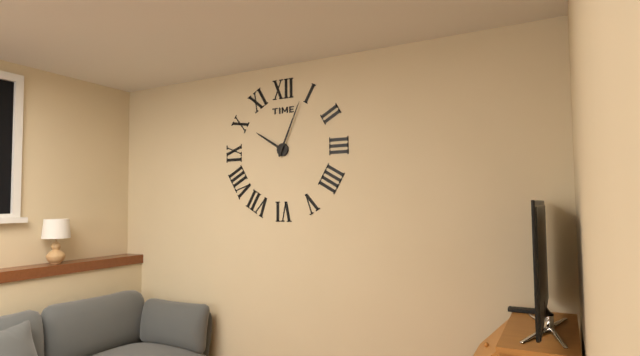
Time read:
10:04
